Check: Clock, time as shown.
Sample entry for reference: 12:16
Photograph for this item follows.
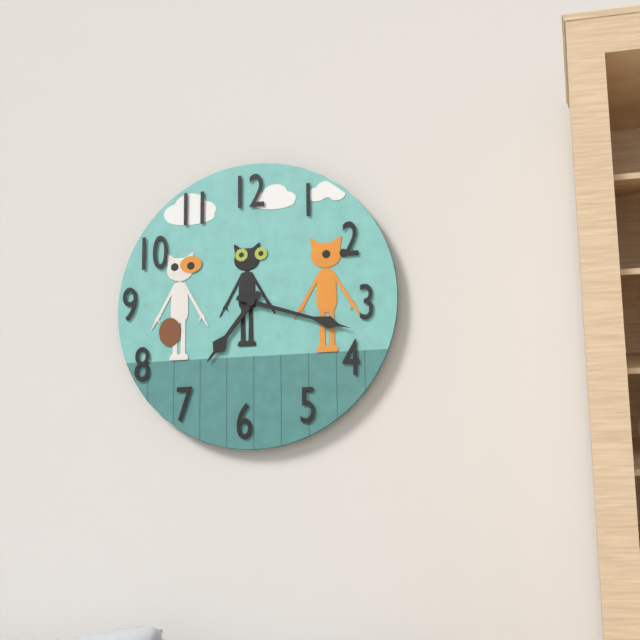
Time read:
7:18
